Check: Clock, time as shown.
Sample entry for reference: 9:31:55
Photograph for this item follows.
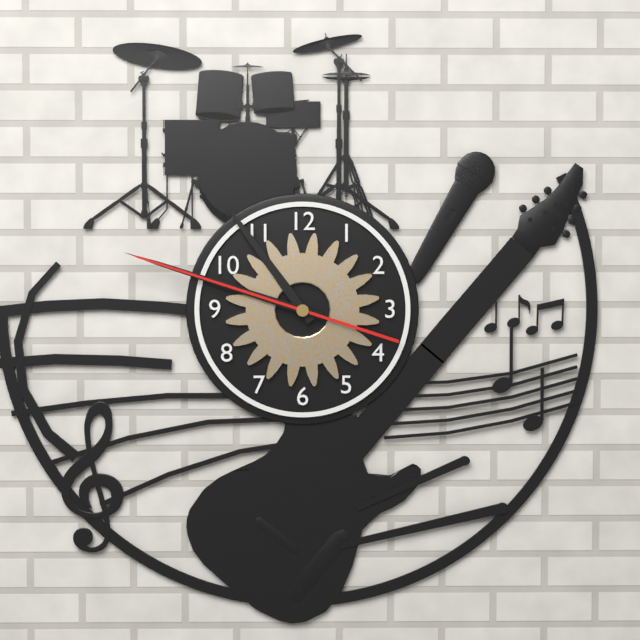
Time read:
10:48:48
